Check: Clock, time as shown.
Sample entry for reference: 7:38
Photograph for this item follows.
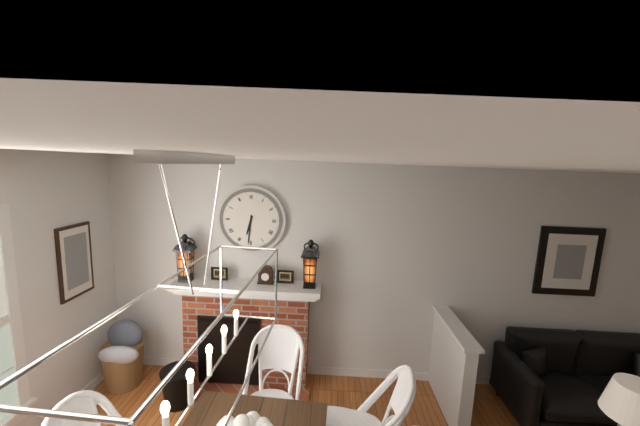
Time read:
6:31
